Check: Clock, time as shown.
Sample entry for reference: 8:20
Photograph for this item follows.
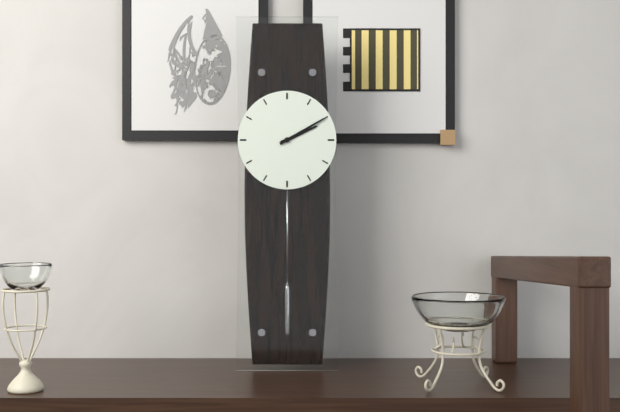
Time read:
2:10
